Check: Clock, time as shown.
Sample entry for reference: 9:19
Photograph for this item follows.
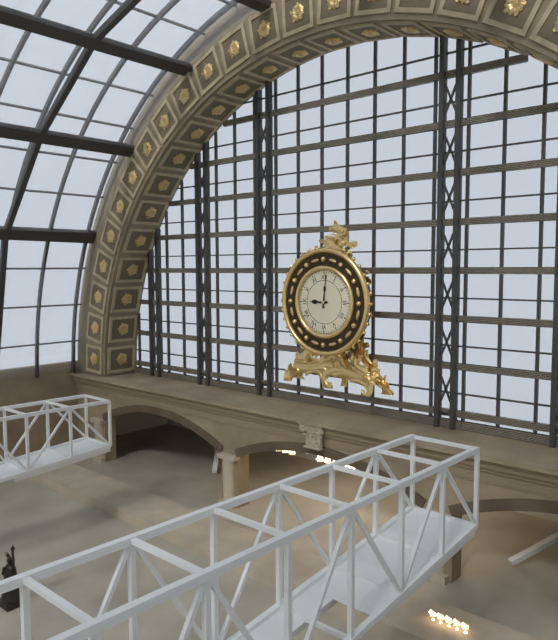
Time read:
9:01
